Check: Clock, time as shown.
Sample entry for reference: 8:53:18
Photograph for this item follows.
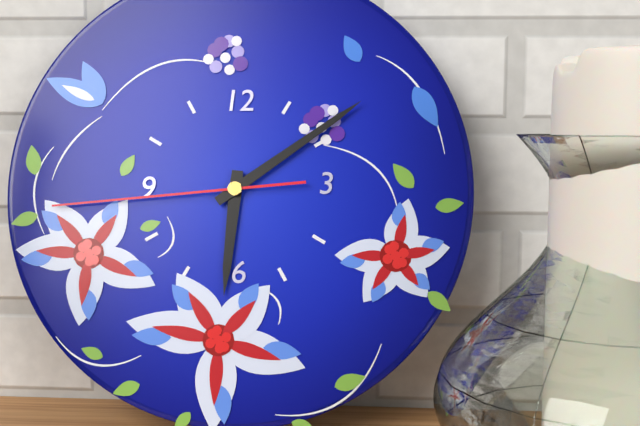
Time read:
6:09:44
